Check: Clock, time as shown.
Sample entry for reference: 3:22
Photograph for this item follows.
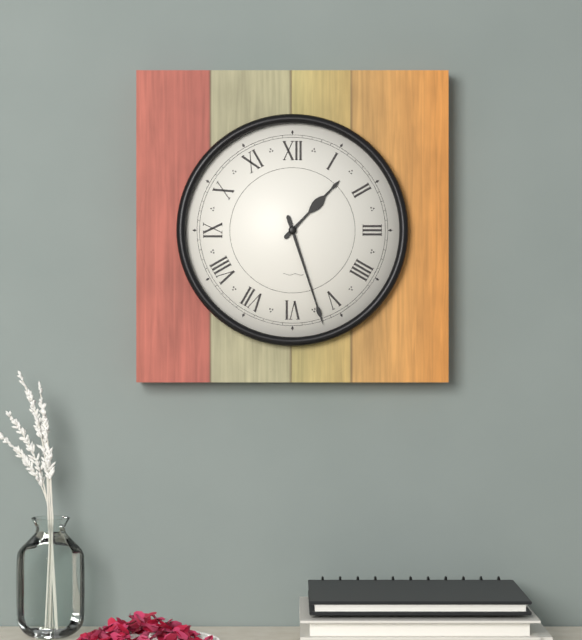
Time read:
1:27
